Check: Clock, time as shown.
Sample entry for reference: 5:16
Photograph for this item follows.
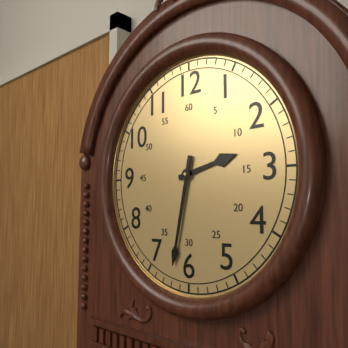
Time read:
2:32
